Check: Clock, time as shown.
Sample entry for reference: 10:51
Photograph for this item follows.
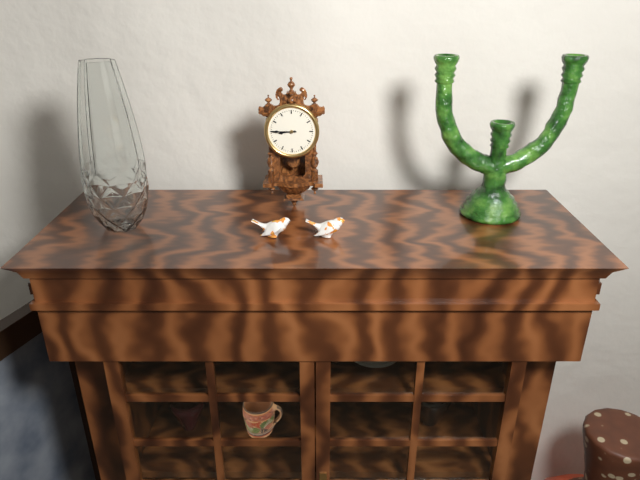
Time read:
8:45
